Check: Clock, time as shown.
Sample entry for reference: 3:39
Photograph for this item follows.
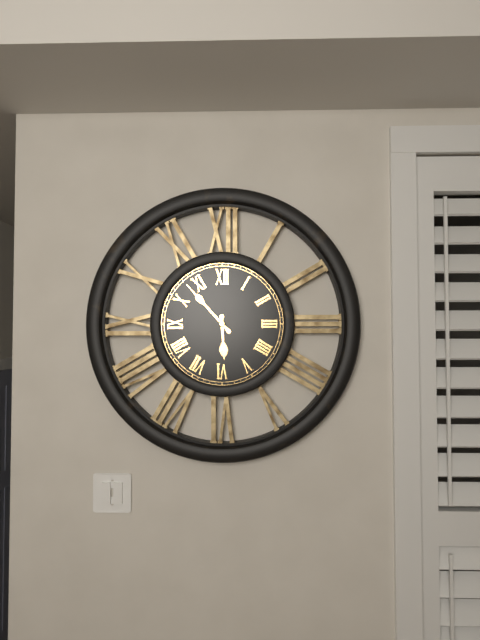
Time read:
5:53
